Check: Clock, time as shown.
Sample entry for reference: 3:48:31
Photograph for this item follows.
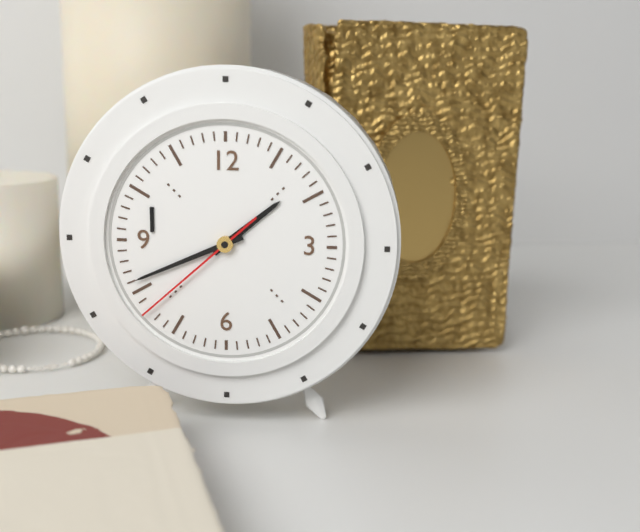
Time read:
1:41:38
